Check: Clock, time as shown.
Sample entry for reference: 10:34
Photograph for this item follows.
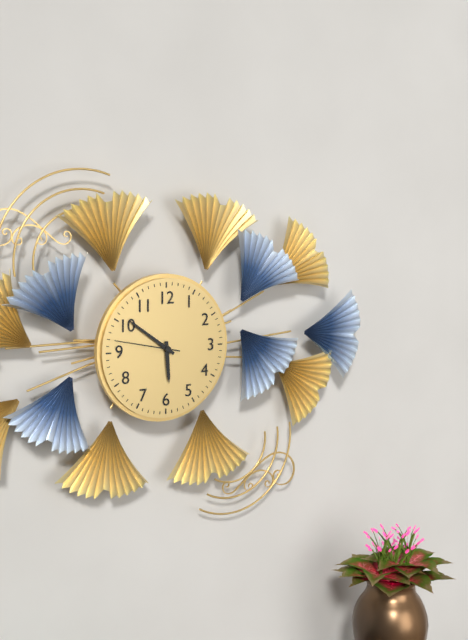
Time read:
5:51
